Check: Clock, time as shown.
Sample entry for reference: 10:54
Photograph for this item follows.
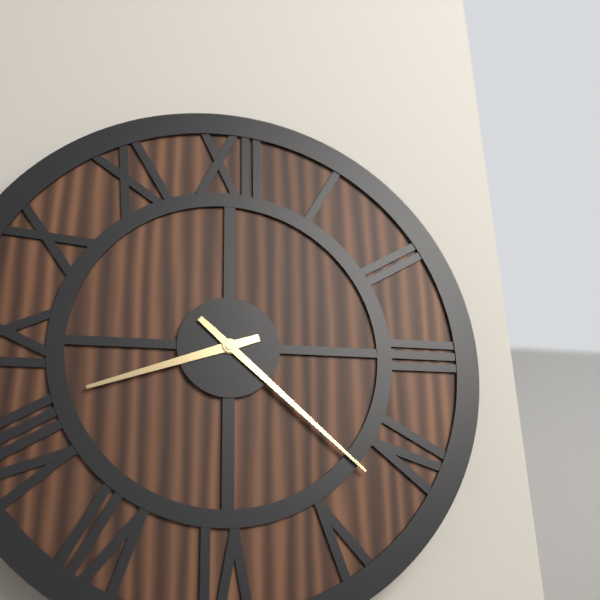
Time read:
8:22
